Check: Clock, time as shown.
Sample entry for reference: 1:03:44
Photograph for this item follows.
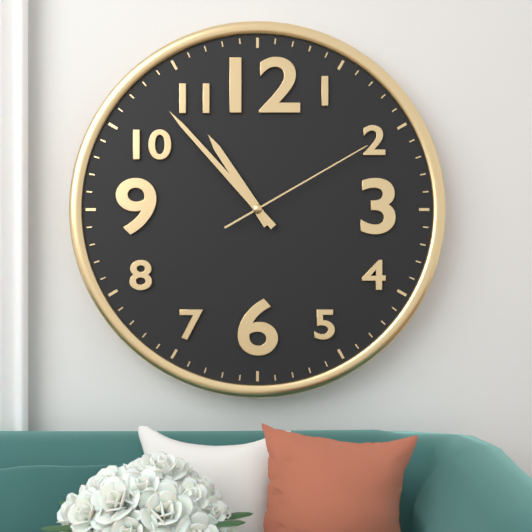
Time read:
10:53:10
